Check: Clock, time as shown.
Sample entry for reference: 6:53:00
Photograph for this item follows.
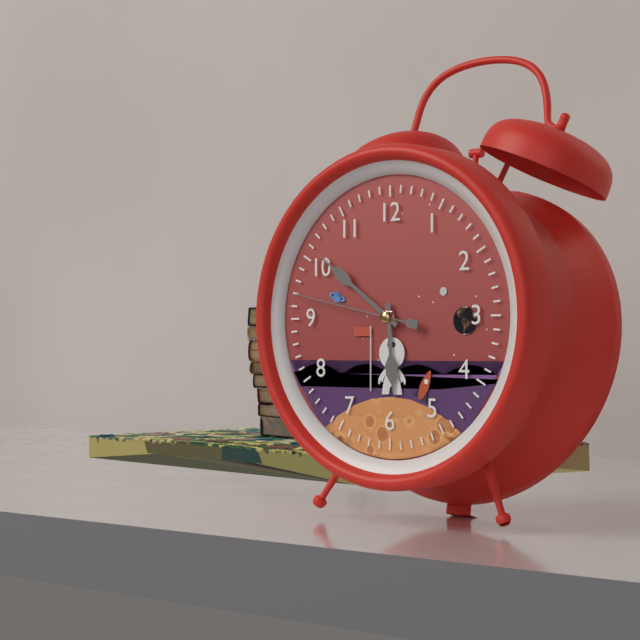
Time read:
5:51:47
